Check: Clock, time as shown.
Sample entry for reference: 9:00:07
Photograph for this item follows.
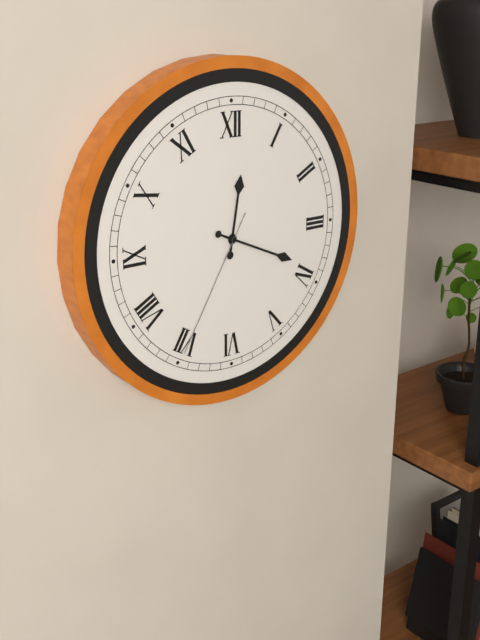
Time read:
12:19:35
